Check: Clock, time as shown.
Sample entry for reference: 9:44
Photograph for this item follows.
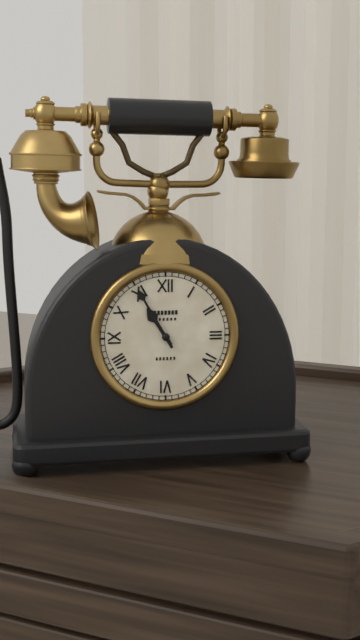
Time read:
10:55
